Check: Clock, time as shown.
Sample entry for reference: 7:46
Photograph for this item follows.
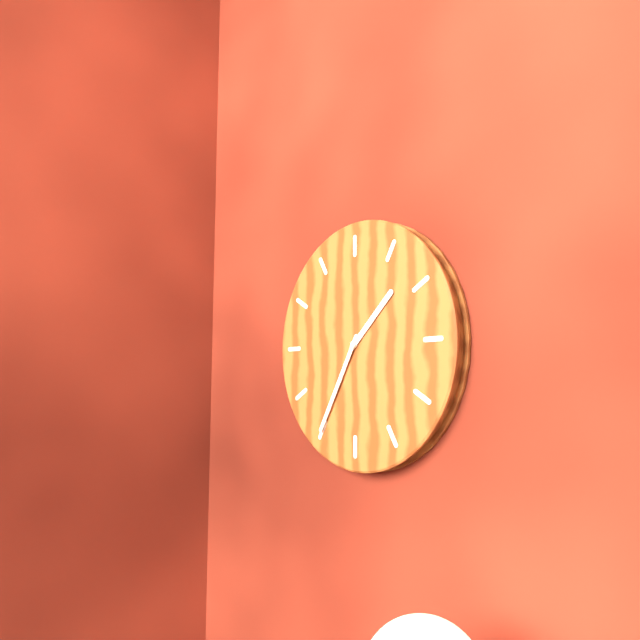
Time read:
1:35
